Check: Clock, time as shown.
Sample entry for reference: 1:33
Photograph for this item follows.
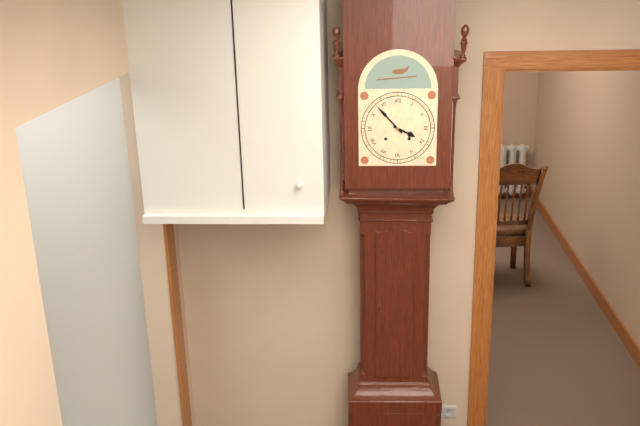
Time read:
3:53
